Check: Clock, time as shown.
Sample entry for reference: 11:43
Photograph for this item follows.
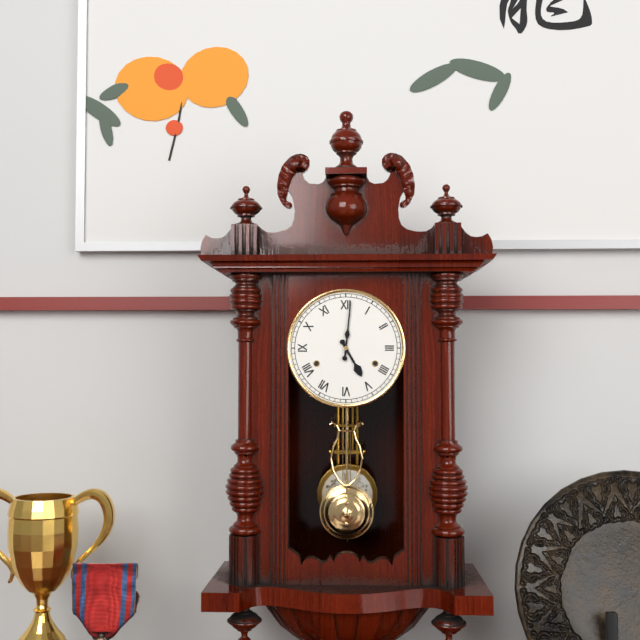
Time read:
5:01
